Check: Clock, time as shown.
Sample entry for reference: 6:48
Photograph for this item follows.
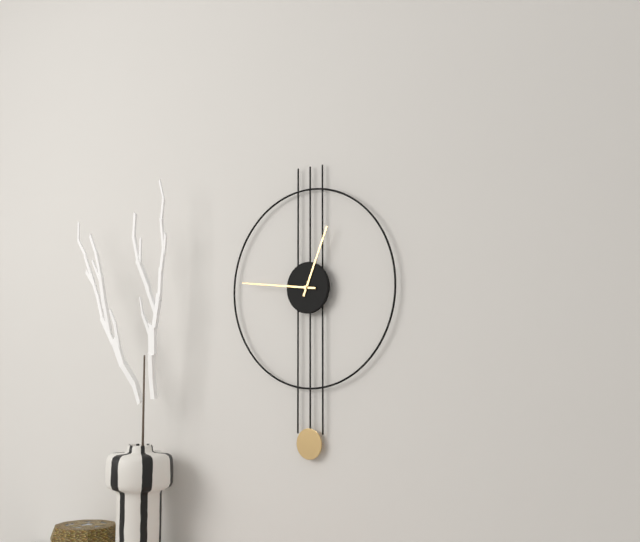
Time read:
12:46
